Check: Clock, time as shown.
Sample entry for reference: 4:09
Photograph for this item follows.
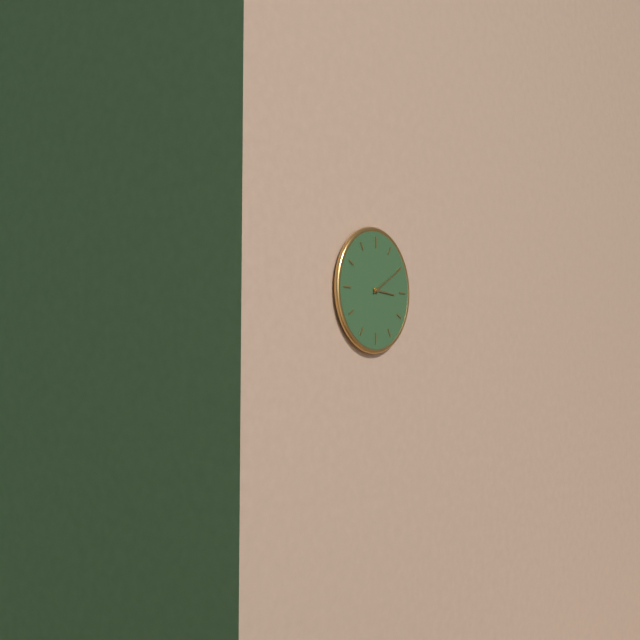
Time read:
3:10
